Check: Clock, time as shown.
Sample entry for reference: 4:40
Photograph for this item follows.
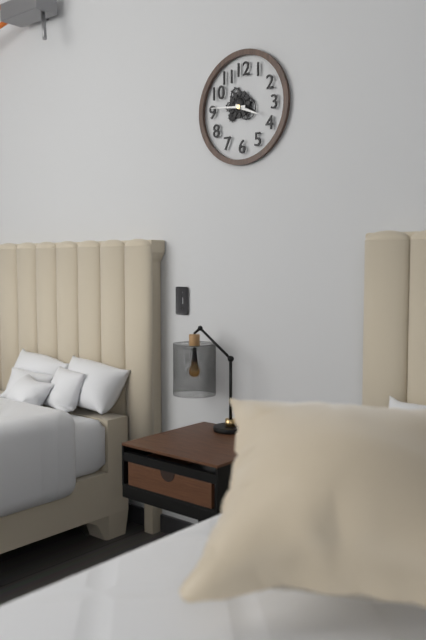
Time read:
3:46
